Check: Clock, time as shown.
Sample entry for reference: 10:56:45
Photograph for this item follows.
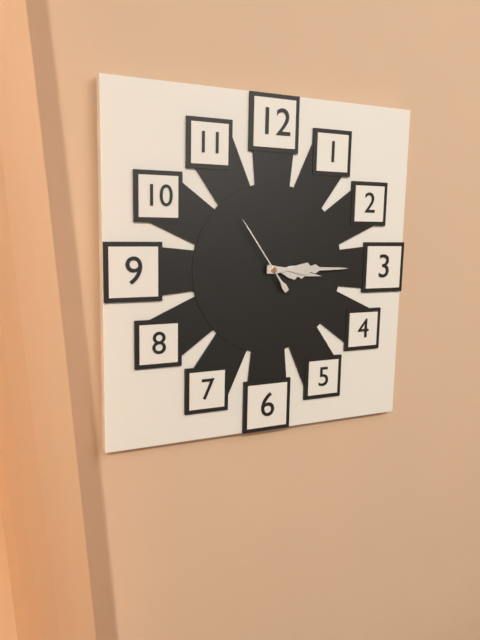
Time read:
3:15:54
